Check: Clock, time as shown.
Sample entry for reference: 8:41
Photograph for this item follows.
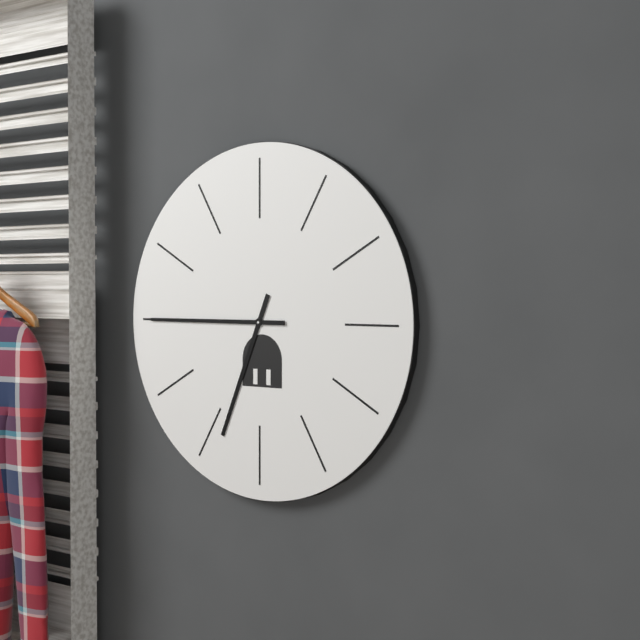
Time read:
6:45
